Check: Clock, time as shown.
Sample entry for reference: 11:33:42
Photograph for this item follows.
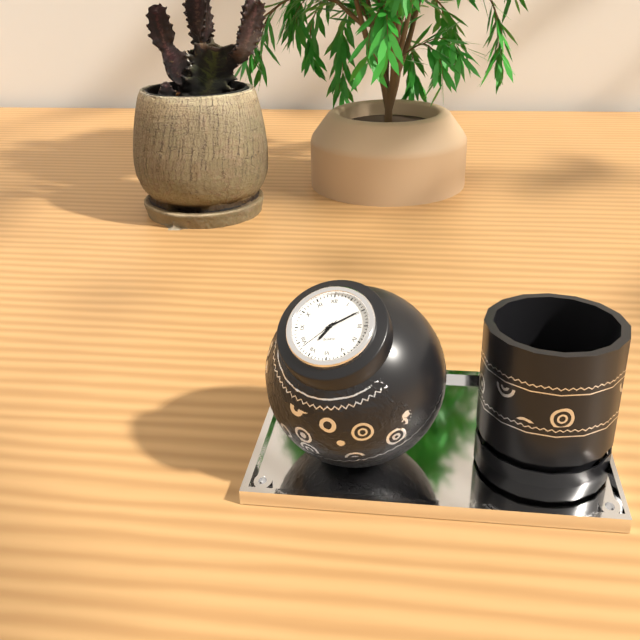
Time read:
7:10:38
